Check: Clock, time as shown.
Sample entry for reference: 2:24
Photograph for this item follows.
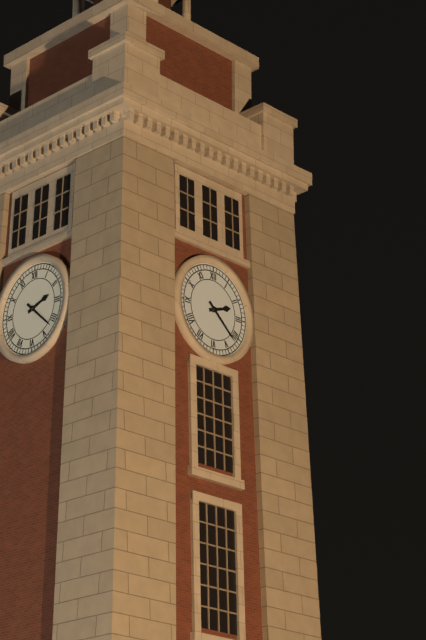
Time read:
2:22
